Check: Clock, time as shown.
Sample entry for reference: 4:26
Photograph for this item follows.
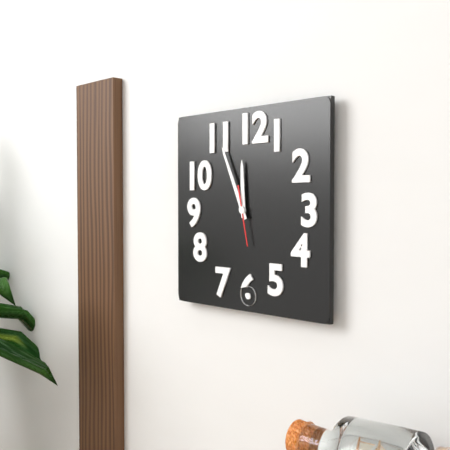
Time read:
11:56
